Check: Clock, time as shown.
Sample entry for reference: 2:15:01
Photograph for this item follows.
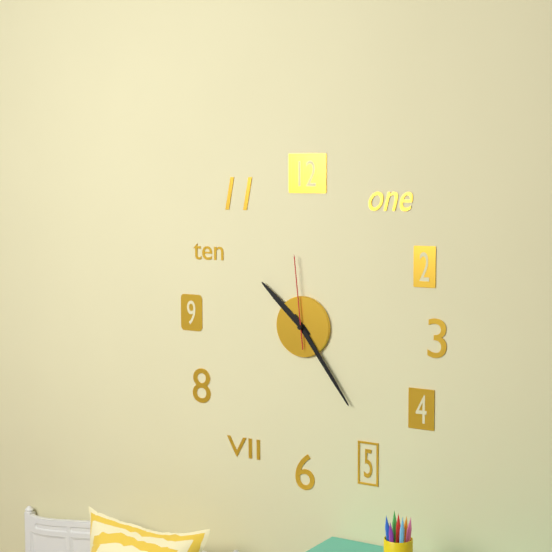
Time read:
10:24:59
